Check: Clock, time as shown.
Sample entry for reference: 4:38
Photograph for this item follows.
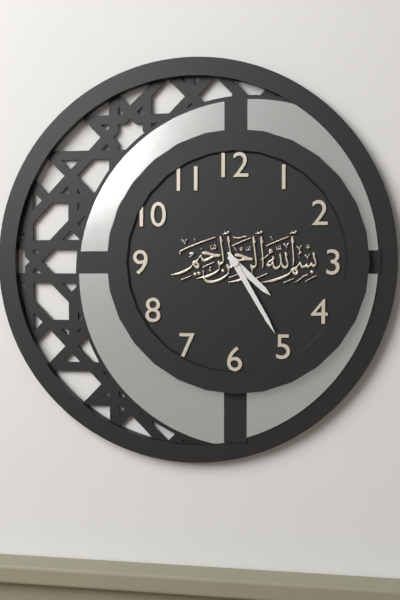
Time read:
4:25
